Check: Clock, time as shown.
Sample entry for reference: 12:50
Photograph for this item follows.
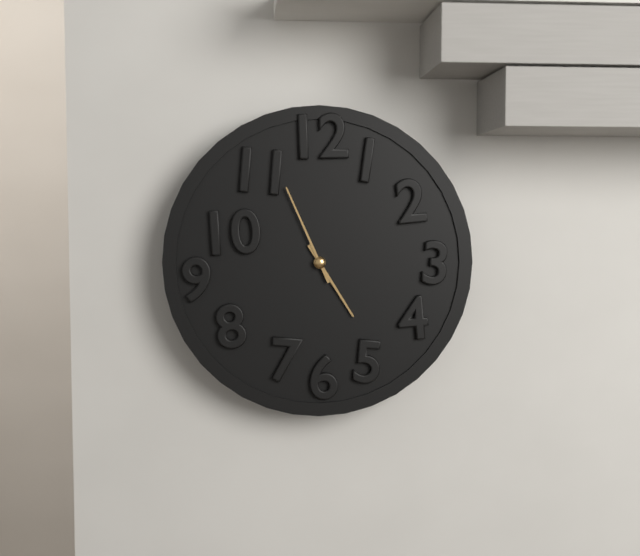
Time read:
4:56
